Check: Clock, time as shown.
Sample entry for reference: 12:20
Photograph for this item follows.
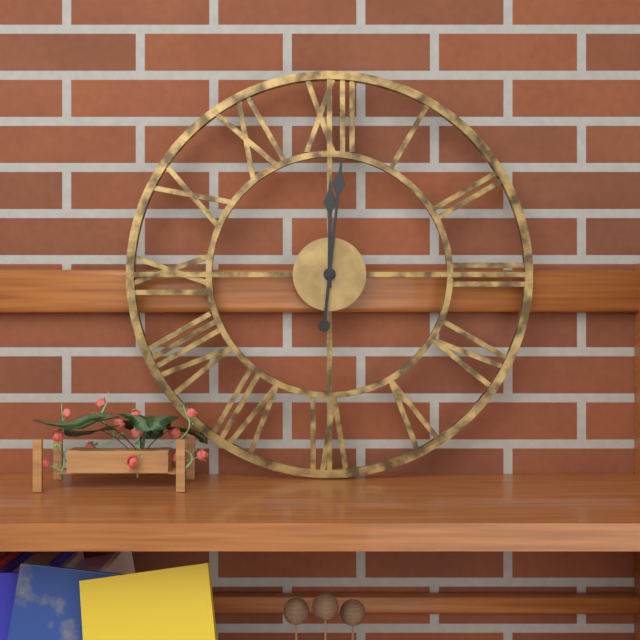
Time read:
12:01
